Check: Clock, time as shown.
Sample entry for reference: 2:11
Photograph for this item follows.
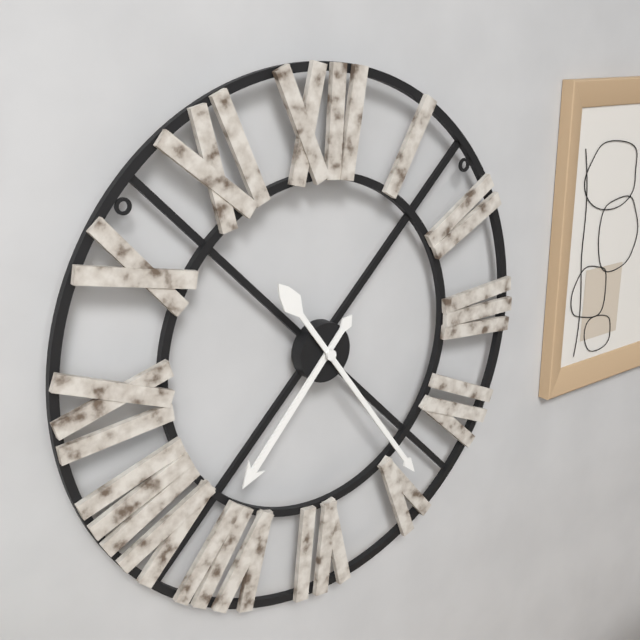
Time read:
7:24
